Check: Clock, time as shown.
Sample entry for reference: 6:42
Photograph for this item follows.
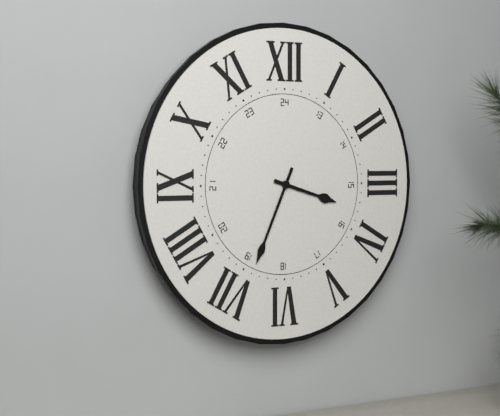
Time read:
3:34
